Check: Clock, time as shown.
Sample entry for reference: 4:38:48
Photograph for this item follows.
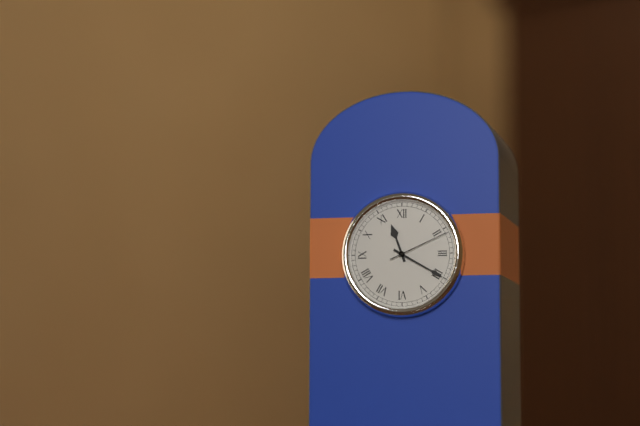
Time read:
11:20:11
